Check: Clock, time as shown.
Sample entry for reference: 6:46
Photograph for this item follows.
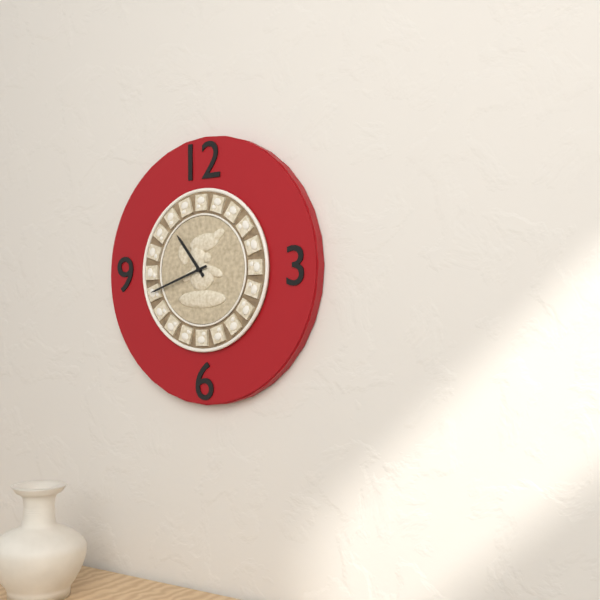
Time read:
10:42
